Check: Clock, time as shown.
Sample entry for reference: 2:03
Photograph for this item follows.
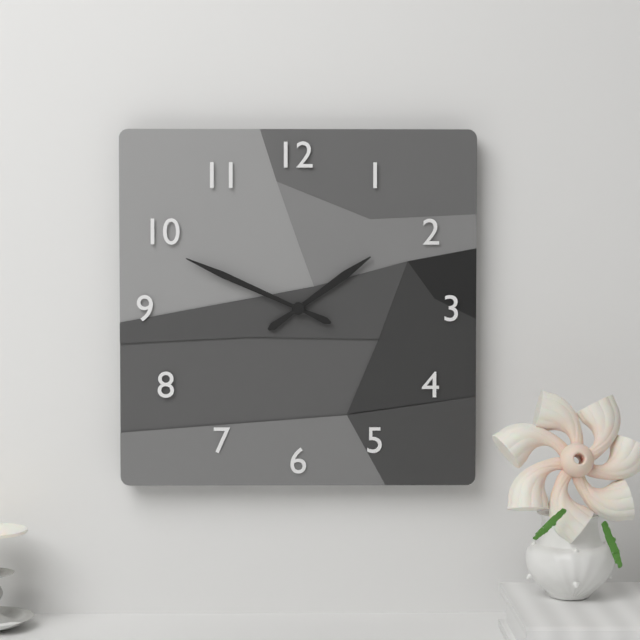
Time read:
1:49
